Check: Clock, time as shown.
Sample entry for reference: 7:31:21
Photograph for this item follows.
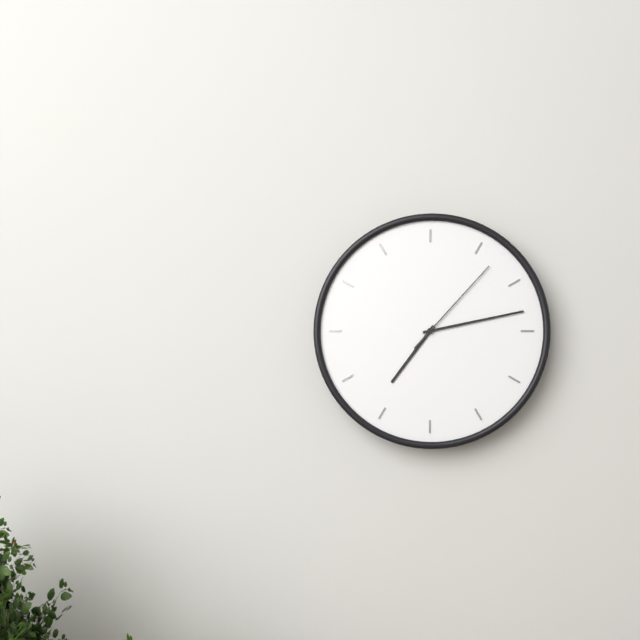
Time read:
7:13:07
